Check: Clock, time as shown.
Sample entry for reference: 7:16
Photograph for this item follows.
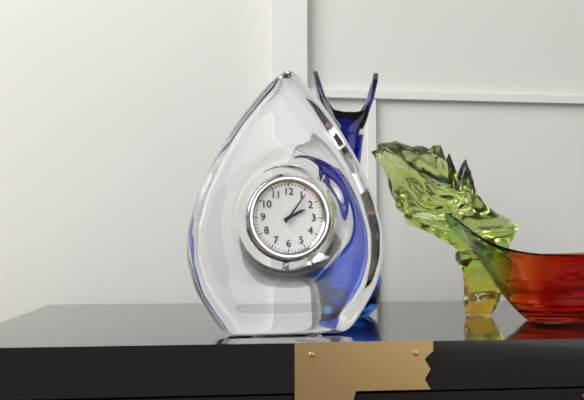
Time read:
2:06
